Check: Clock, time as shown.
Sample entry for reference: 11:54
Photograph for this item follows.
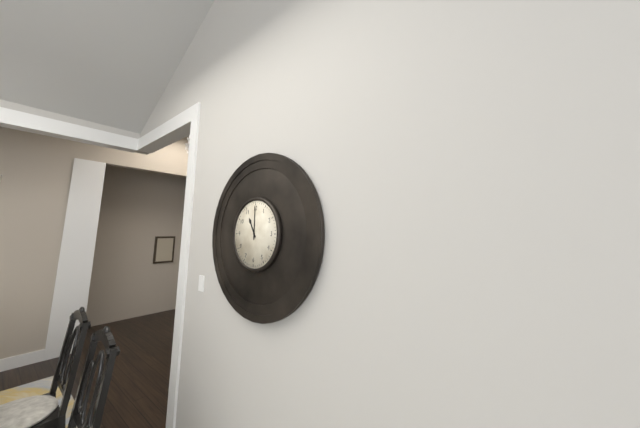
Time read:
11:00
